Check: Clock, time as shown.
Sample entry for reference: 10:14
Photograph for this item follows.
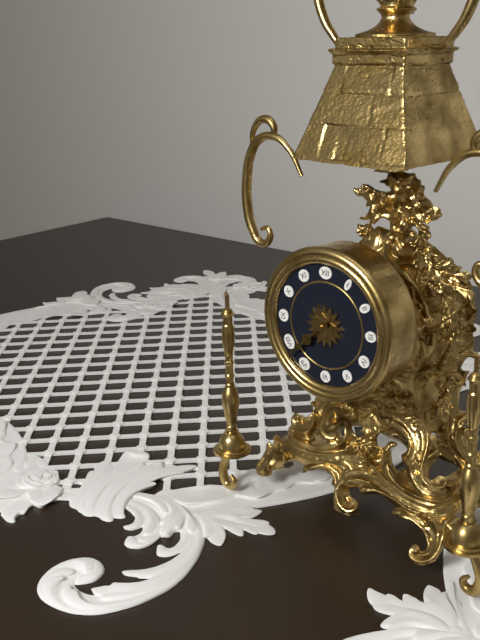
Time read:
7:38
